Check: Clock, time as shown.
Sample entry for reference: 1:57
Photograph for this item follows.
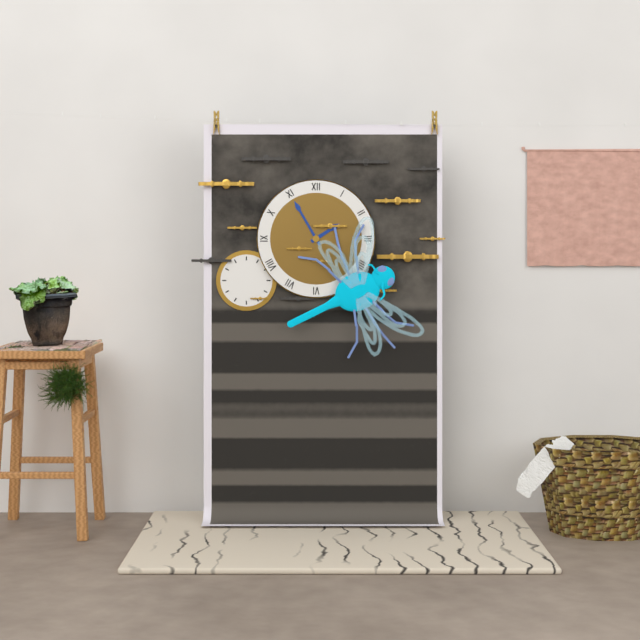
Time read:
1:55
